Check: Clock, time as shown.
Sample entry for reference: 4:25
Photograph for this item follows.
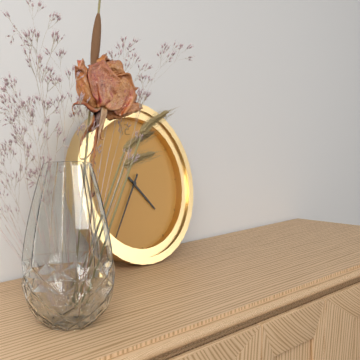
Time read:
4:36
